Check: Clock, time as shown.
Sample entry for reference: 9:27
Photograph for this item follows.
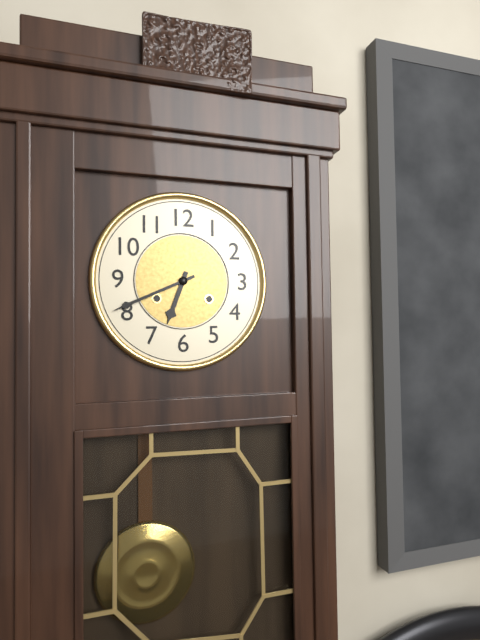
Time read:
6:41
